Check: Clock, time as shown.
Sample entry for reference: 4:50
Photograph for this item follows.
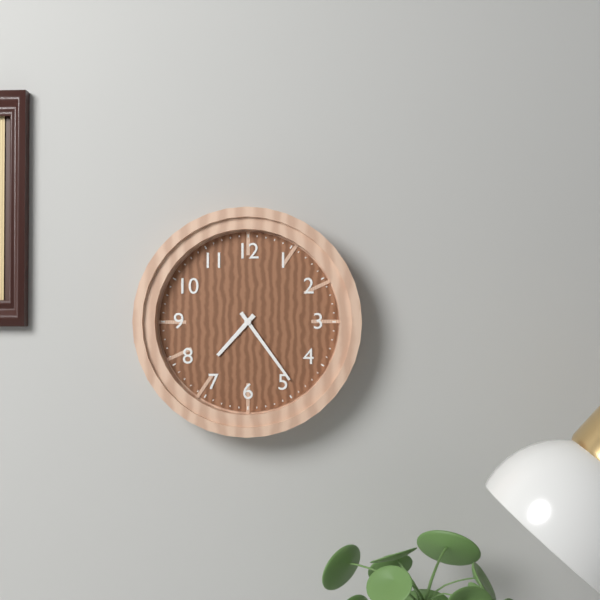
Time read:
7:24
